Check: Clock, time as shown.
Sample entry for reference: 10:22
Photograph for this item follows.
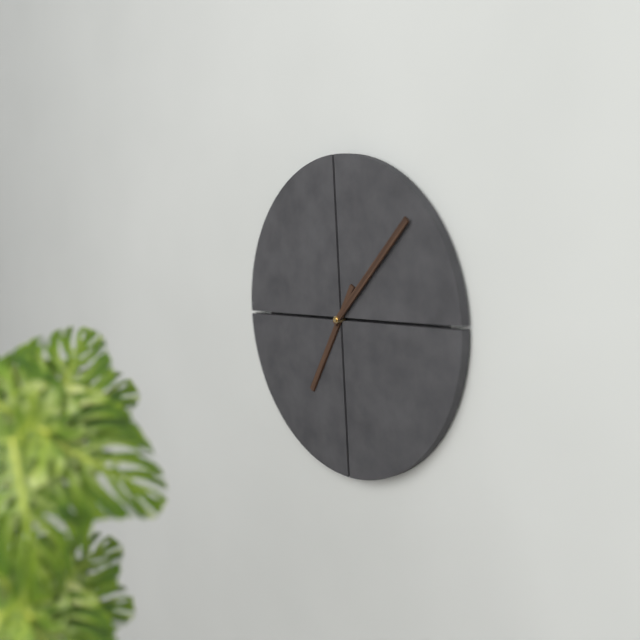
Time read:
7:08
